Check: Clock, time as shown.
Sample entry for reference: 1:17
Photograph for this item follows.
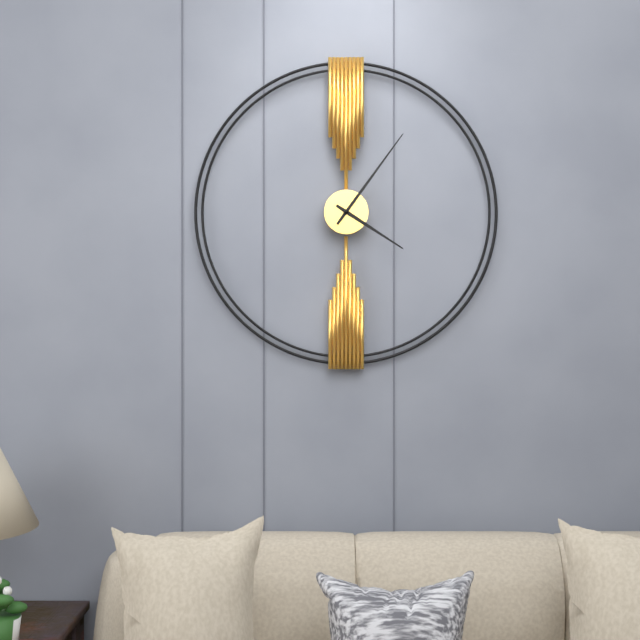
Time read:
4:06
